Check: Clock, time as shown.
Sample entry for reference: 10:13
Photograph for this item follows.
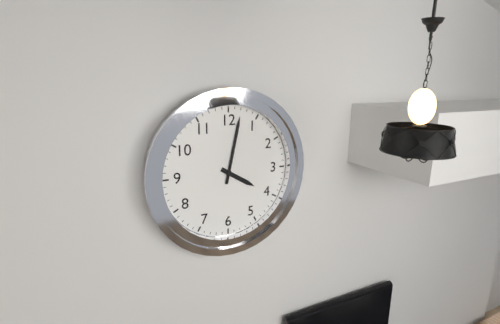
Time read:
4:02
